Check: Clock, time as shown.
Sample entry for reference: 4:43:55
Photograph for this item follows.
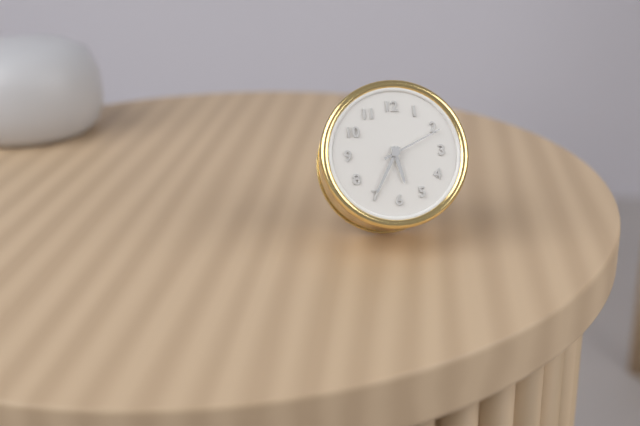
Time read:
5:35:11
